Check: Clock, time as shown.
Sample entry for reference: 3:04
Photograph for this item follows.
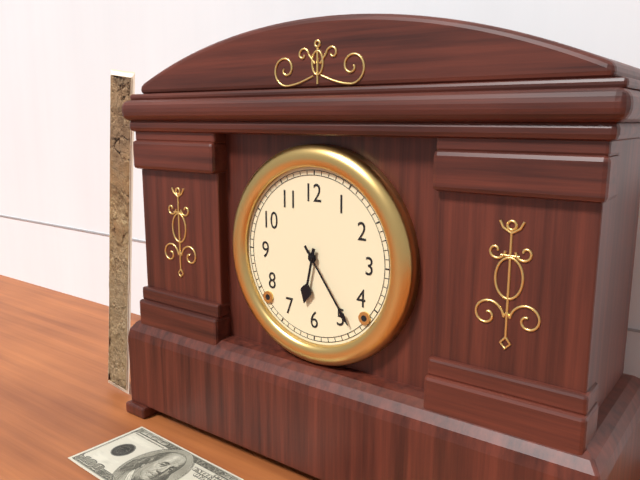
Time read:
6:24
